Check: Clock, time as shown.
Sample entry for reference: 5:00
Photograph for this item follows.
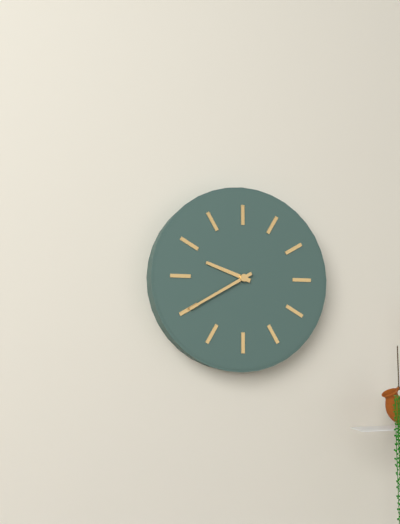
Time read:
9:40
